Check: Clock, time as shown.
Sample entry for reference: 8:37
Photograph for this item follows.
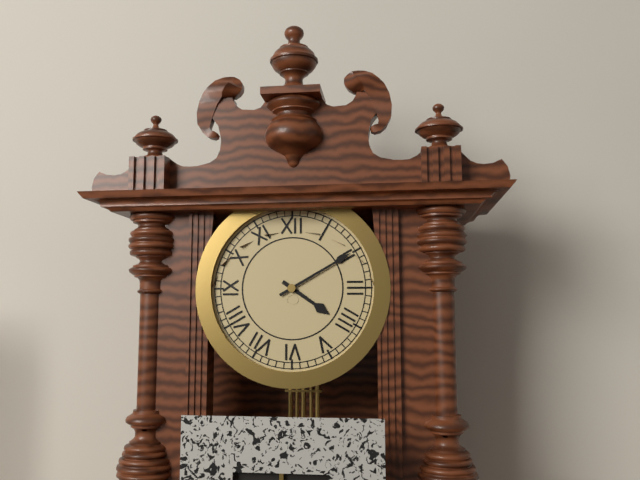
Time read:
4:10
